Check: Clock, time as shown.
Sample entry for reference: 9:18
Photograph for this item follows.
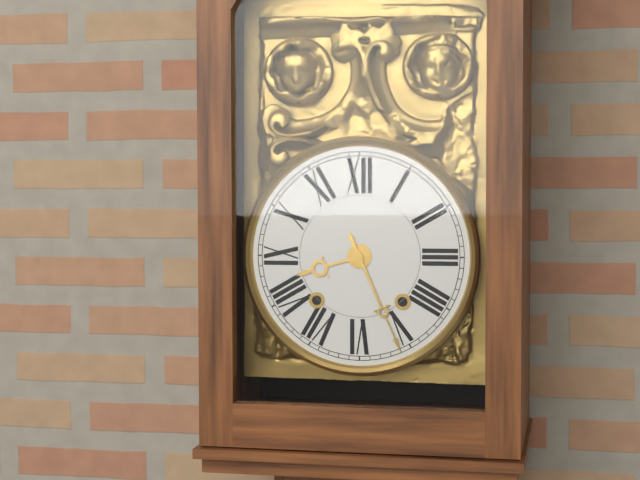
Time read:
8:26
